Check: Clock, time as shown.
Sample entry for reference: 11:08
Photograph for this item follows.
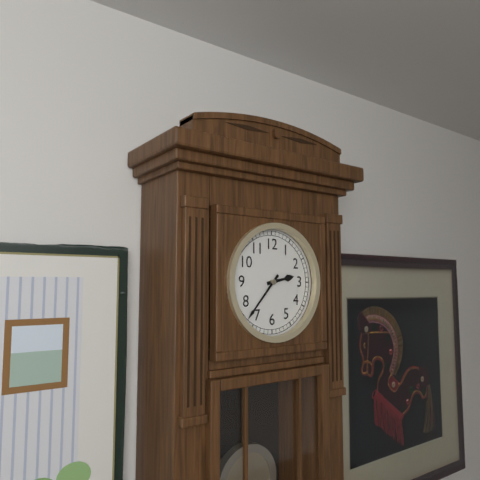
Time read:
2:37
